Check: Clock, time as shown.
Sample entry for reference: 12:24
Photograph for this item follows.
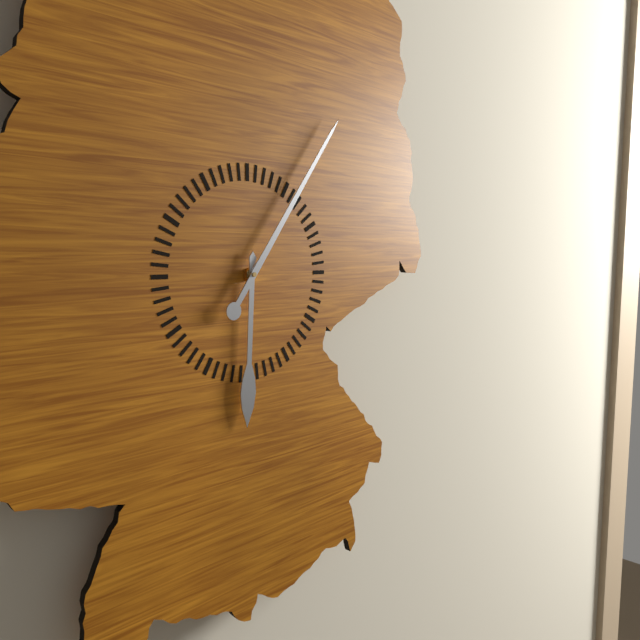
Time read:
6:06
